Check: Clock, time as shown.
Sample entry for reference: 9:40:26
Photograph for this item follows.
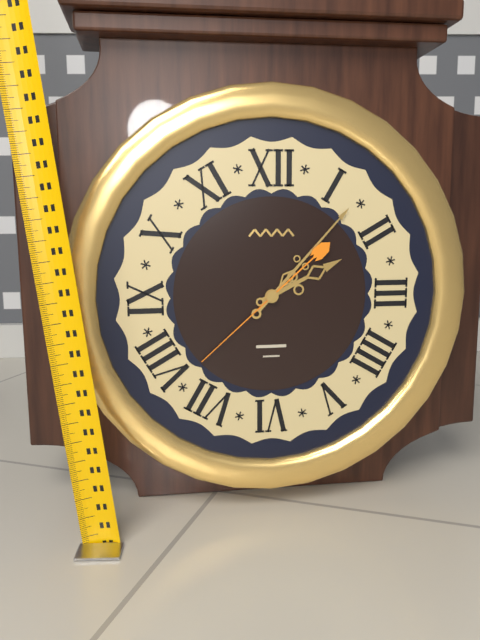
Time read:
2:07:38
